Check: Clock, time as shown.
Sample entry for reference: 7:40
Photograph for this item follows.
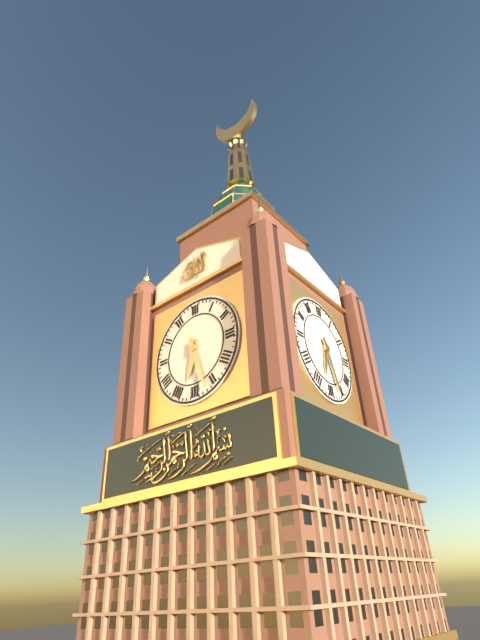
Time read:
6:27
